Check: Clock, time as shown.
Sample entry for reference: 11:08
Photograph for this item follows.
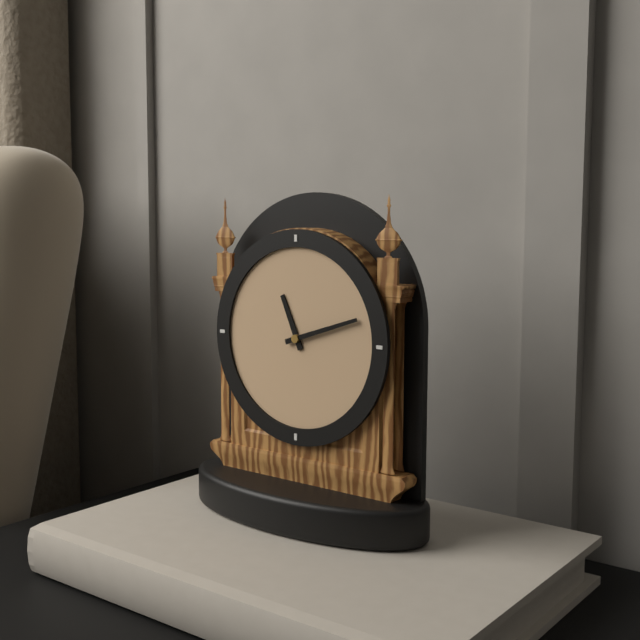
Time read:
11:12
